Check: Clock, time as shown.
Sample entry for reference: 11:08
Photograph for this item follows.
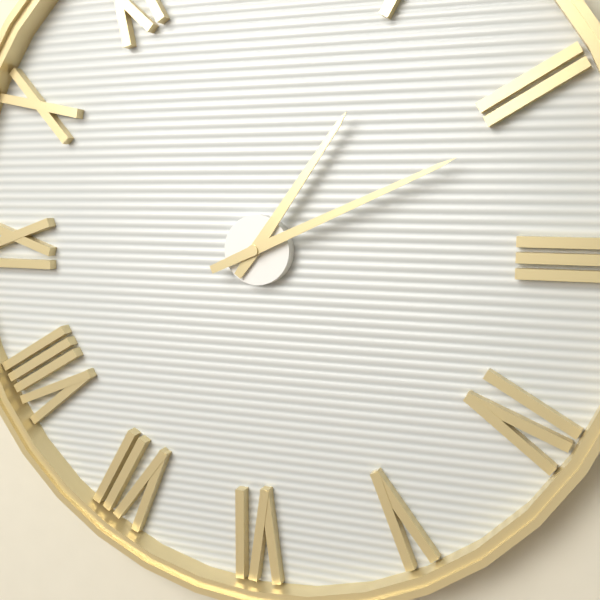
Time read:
1:11
